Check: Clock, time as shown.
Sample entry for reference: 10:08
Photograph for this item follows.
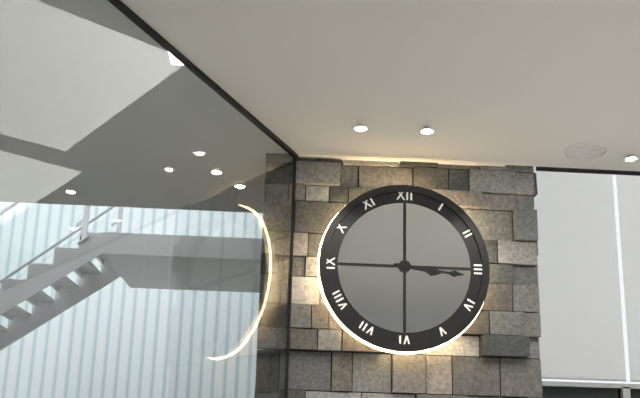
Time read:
3:16
